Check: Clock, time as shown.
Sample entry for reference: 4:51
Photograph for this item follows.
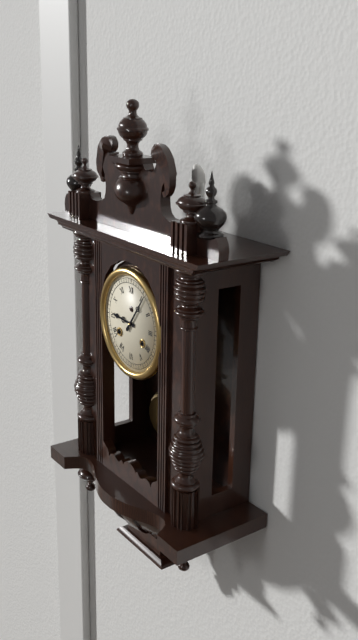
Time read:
9:06
